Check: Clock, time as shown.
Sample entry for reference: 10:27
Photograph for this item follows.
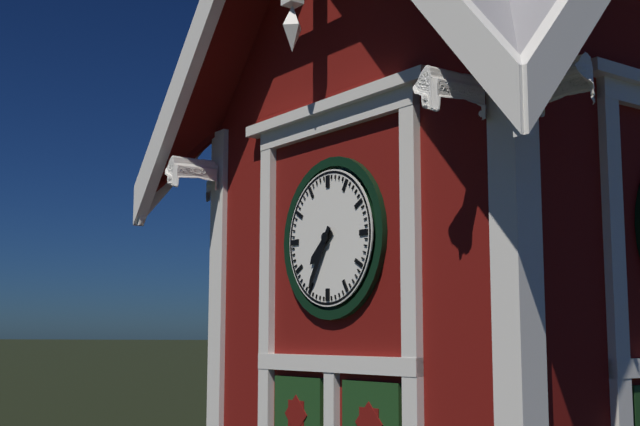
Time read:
7:35
